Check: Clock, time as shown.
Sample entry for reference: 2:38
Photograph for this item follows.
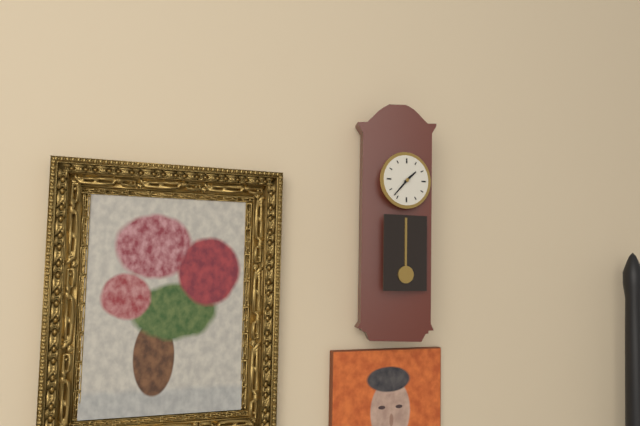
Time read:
1:37
